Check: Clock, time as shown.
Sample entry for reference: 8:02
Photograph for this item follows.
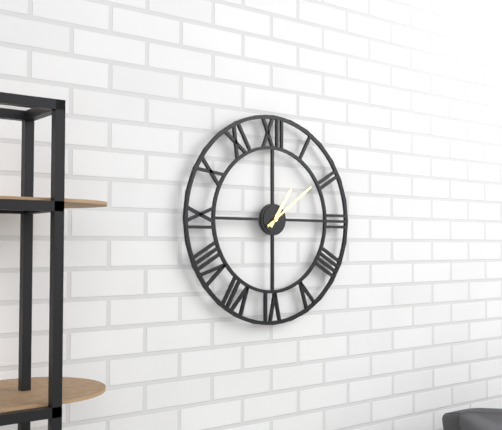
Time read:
1:09
